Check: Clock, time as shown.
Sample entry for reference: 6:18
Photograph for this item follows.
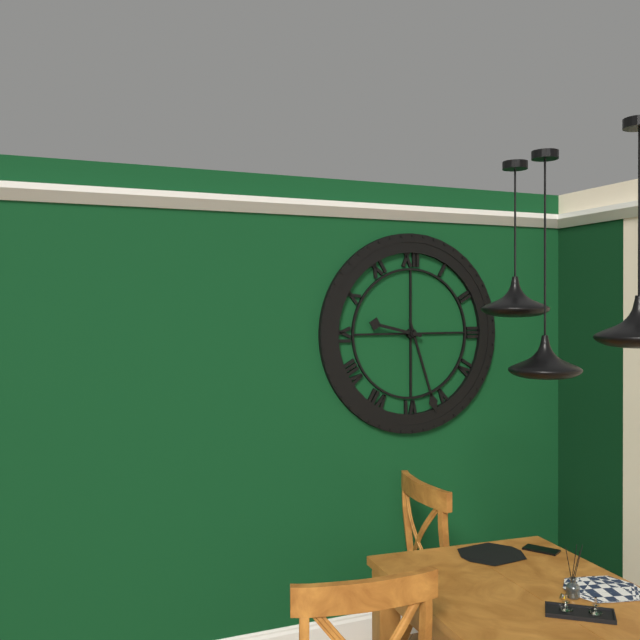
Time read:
9:27
